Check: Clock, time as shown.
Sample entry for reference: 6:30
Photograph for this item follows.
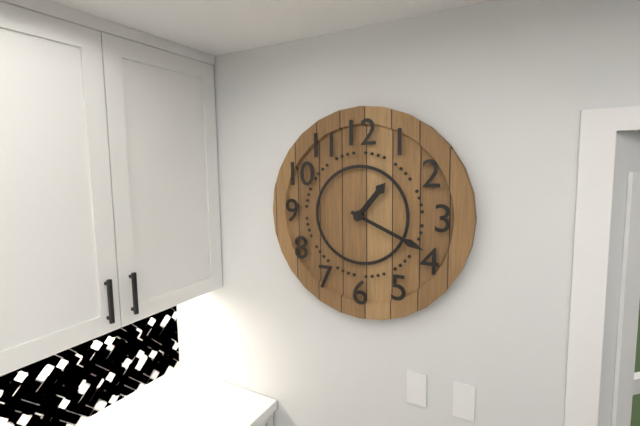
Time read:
1:19
